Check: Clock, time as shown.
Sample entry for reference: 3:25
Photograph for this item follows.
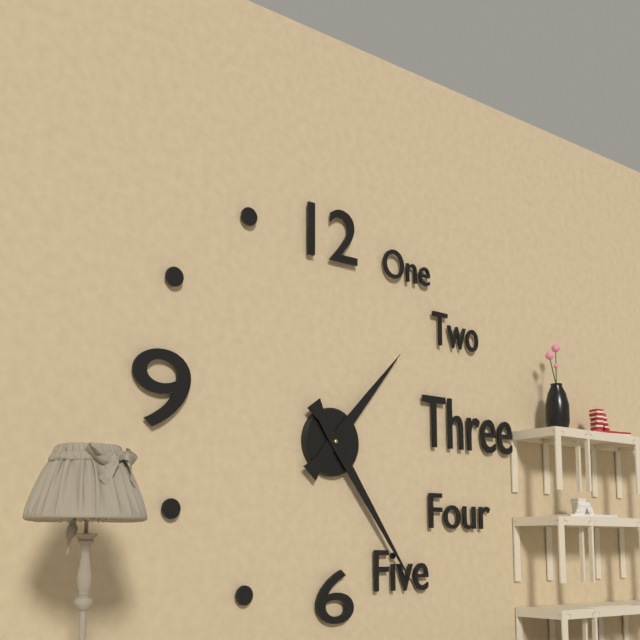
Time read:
1:24
